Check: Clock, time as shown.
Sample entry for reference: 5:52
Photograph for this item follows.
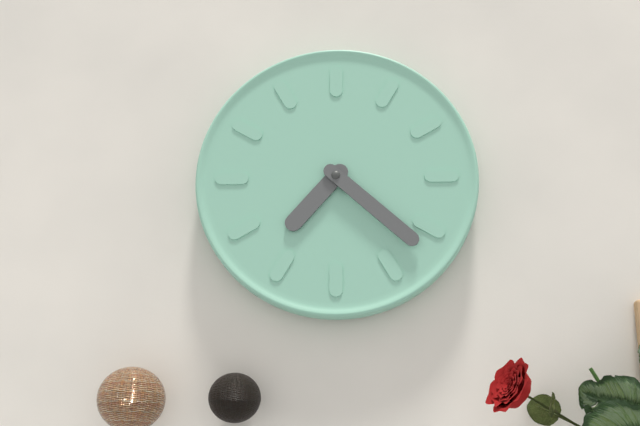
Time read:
7:22
